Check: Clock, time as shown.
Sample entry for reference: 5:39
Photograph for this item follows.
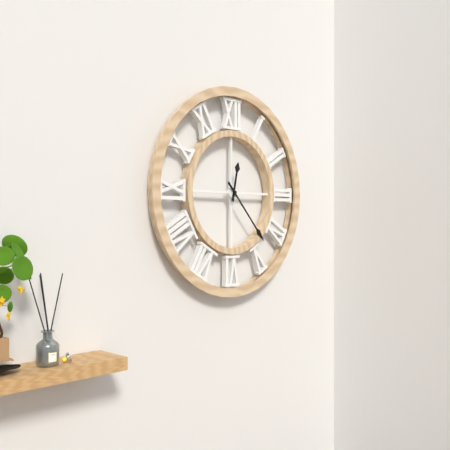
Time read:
12:23
